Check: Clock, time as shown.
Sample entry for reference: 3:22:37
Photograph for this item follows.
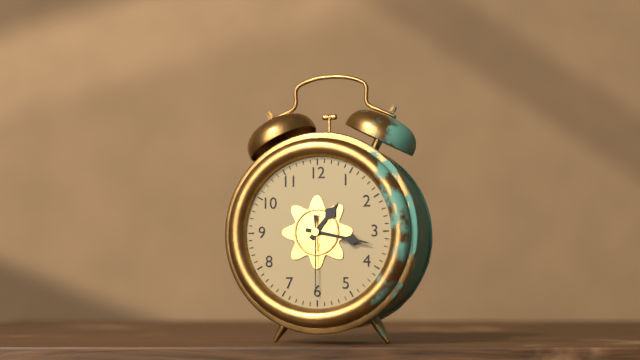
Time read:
1:17:30
